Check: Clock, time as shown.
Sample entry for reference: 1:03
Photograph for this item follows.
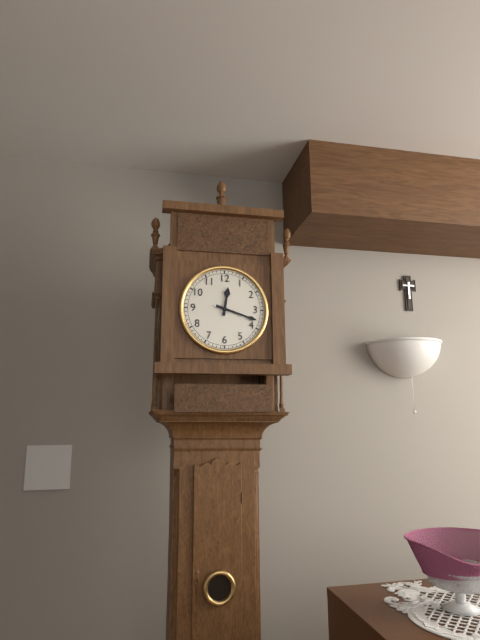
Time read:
12:18
